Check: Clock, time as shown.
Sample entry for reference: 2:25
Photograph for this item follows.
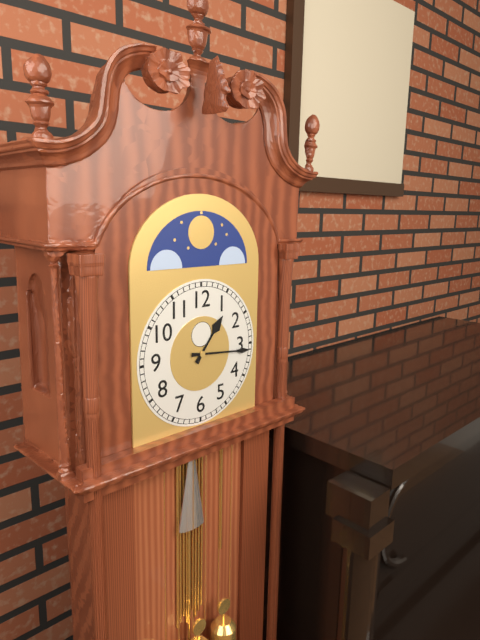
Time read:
1:16
